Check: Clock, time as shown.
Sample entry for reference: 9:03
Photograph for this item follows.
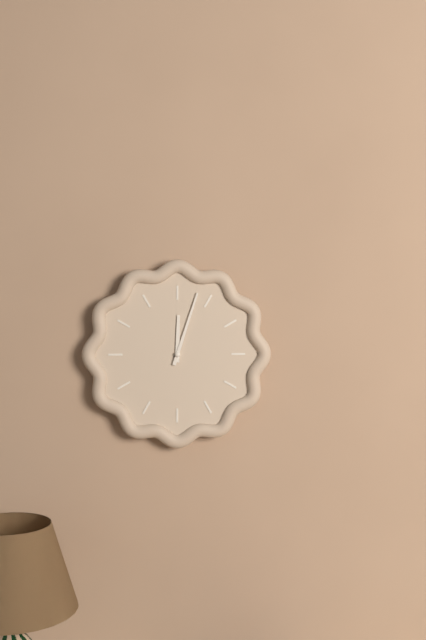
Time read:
12:03
